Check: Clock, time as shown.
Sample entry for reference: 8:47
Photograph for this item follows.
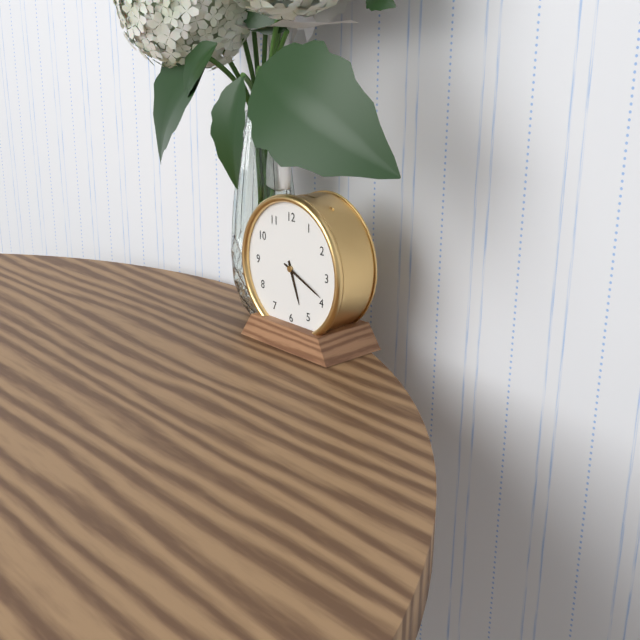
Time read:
5:19
